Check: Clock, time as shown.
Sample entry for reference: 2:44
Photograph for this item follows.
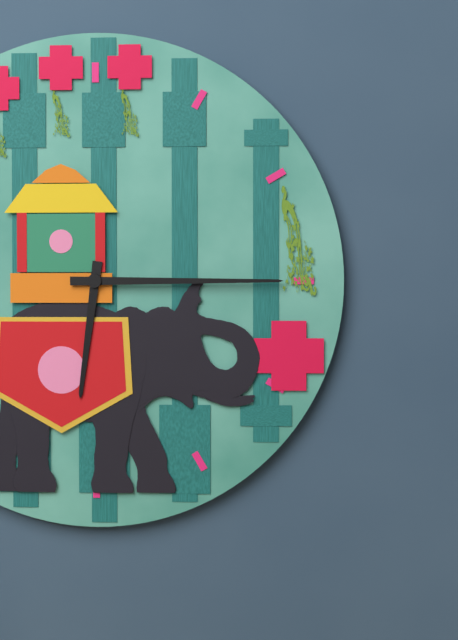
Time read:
6:15
